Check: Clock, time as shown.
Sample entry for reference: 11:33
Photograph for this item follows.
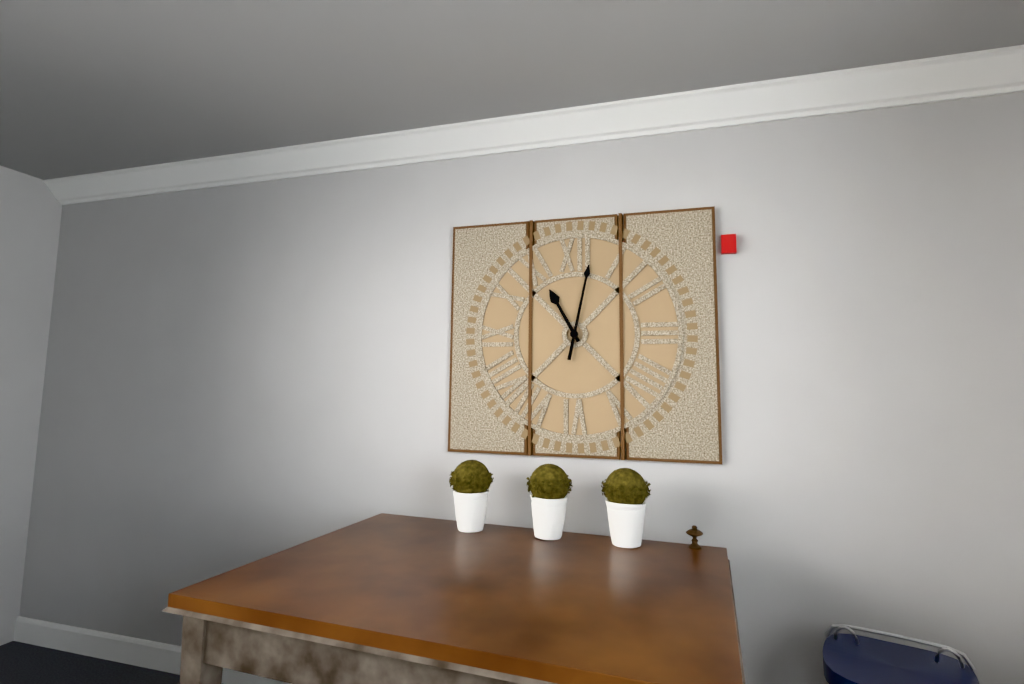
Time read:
11:02
